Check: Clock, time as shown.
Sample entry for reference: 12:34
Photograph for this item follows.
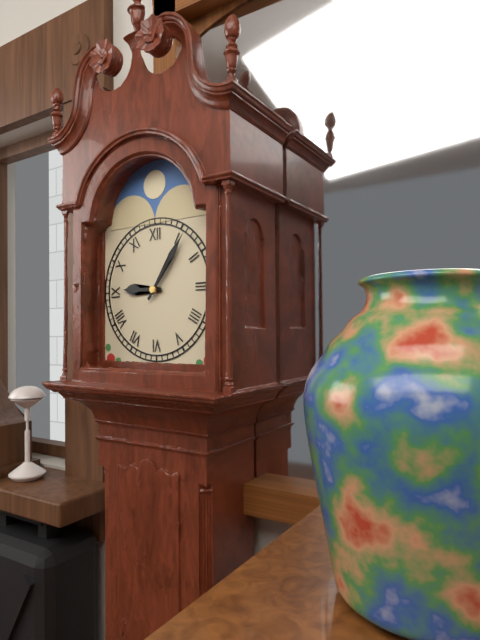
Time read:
9:06
